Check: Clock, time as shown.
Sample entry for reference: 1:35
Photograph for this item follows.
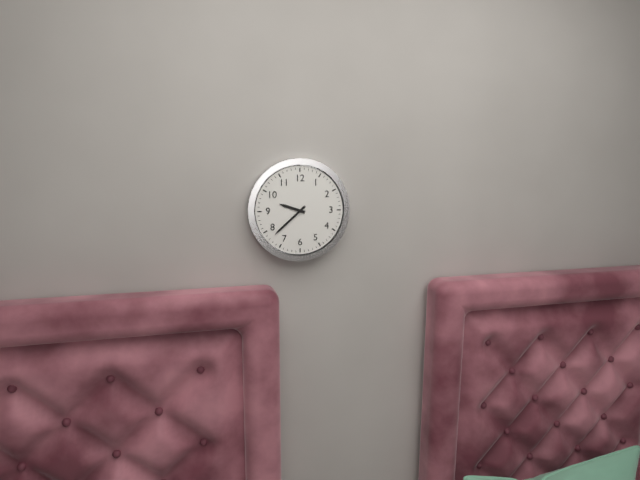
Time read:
9:38
